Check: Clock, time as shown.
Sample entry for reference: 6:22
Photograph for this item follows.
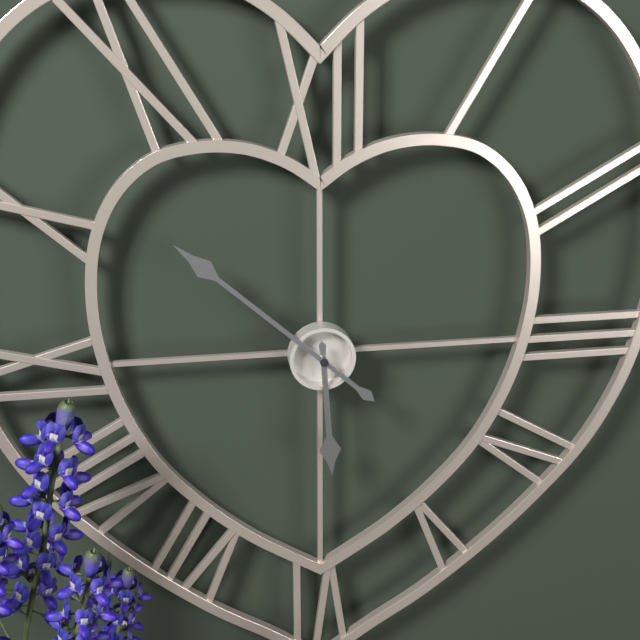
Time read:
5:52
